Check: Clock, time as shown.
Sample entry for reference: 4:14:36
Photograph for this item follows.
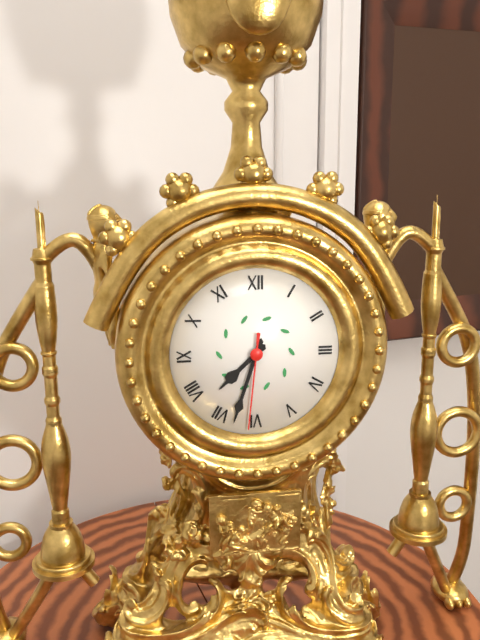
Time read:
7:33:31
